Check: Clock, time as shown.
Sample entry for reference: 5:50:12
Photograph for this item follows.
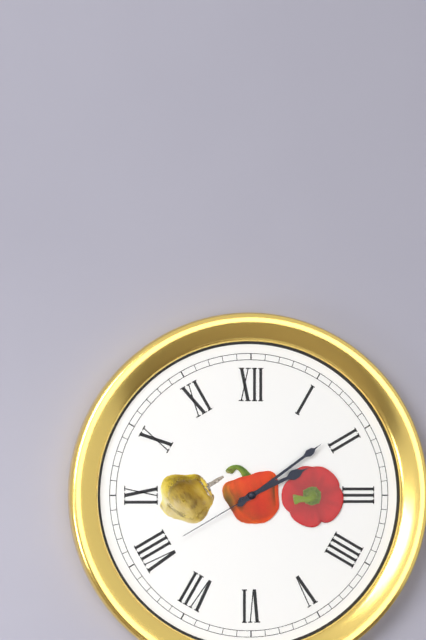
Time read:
2:09:40
